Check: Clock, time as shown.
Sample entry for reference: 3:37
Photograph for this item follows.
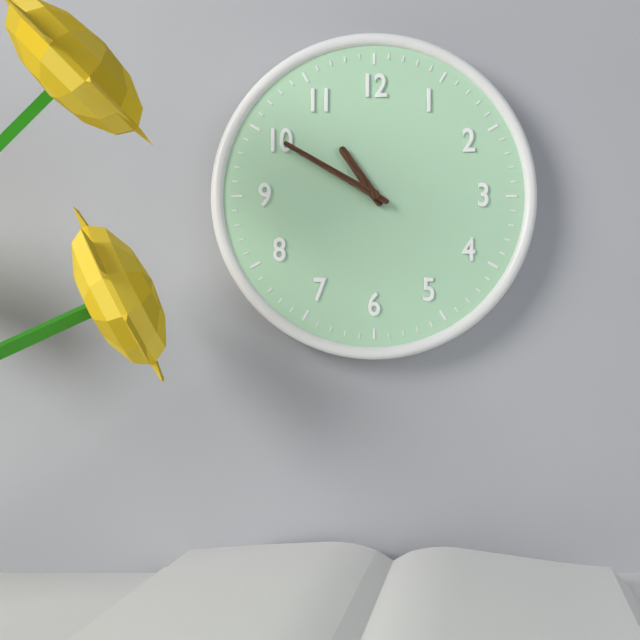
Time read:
10:50
